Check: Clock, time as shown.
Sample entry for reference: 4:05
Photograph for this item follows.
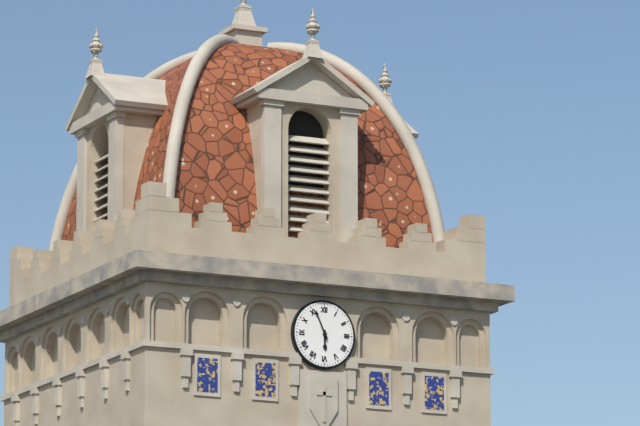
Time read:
5:56
